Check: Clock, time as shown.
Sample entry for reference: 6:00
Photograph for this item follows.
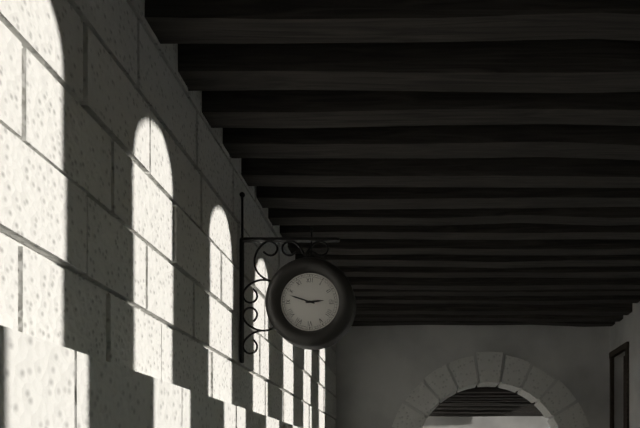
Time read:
2:48
